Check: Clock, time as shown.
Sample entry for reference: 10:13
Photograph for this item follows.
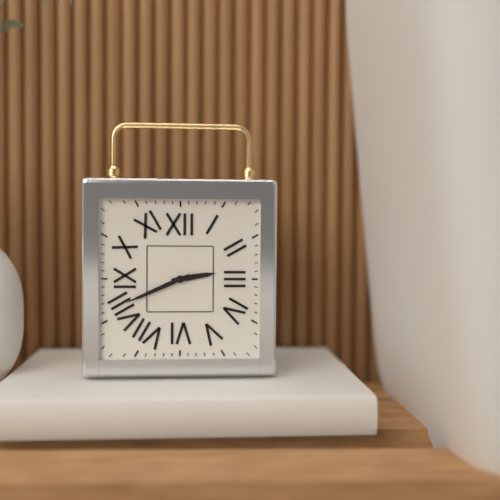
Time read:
2:41
